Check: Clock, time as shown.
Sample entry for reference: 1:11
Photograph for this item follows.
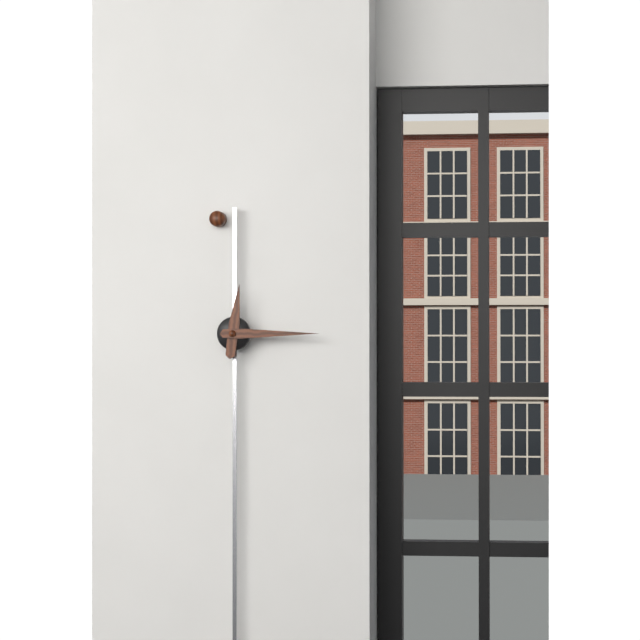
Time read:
12:15
